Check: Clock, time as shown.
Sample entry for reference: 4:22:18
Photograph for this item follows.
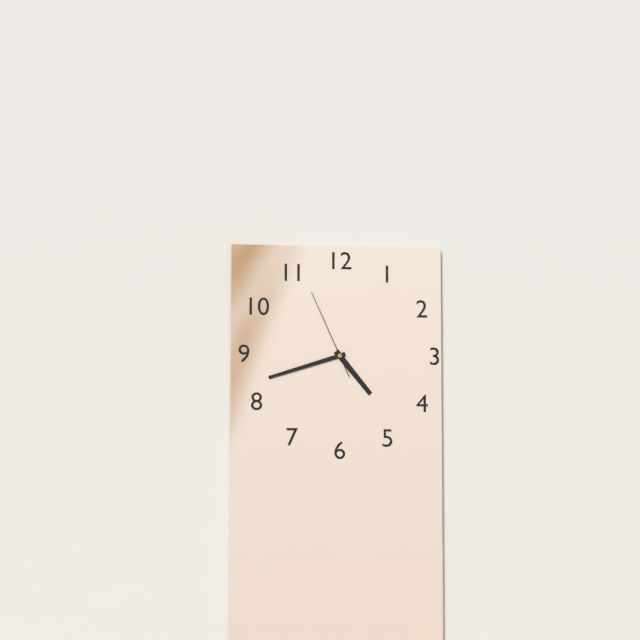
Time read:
4:42:56
